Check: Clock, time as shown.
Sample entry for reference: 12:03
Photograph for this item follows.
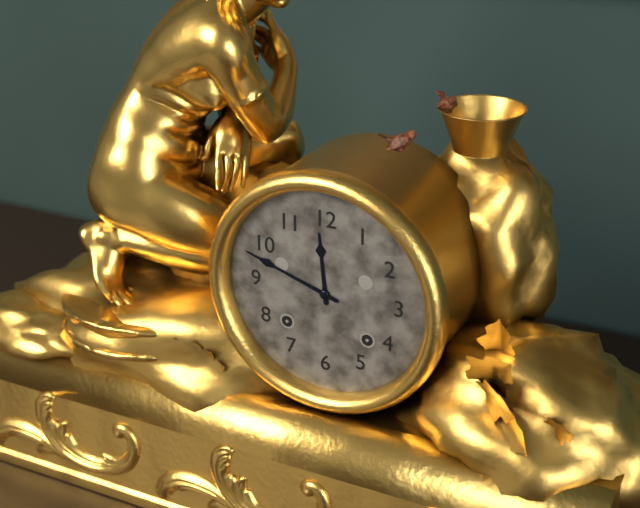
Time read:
11:48
